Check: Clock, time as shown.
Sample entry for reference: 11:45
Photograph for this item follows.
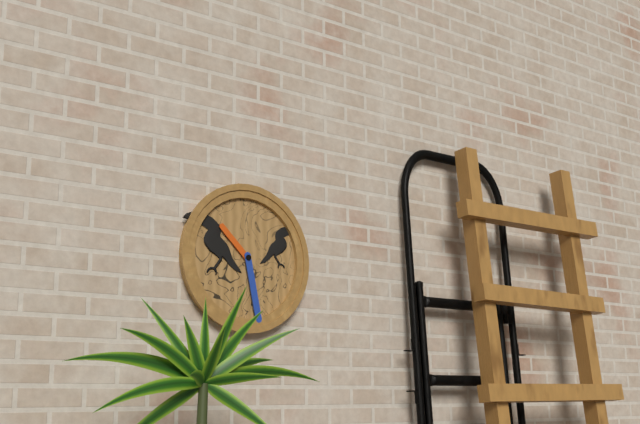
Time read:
10:28
